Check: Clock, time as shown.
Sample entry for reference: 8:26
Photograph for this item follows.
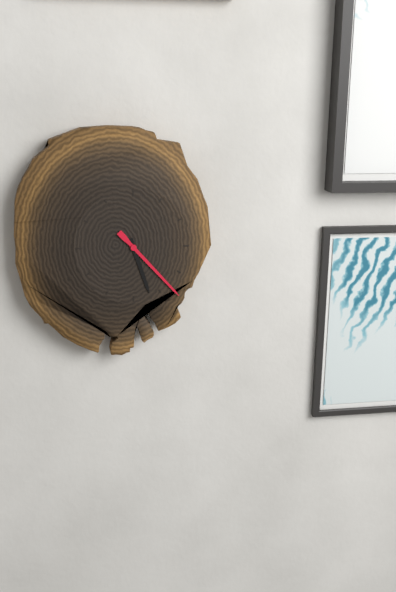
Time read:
5:23
